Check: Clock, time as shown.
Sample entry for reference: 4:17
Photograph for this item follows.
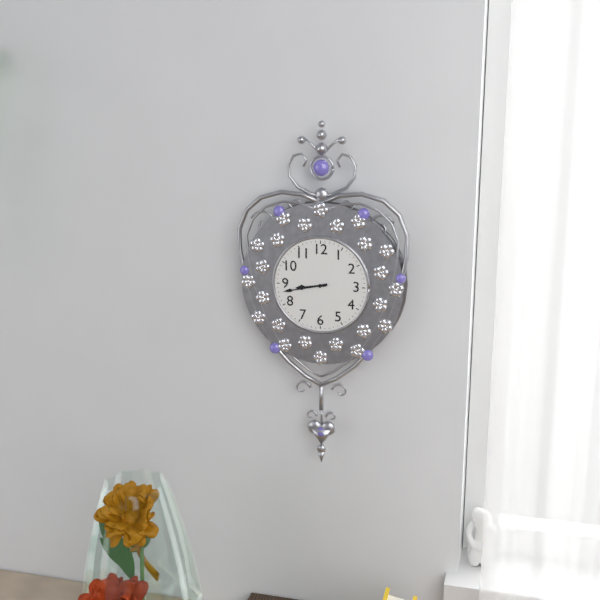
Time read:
8:43
